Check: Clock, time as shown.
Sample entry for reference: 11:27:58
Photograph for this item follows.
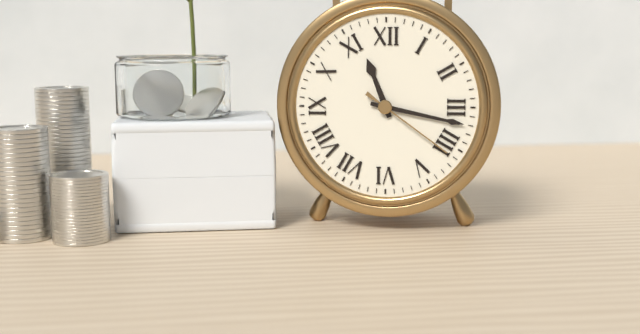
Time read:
11:17:21
